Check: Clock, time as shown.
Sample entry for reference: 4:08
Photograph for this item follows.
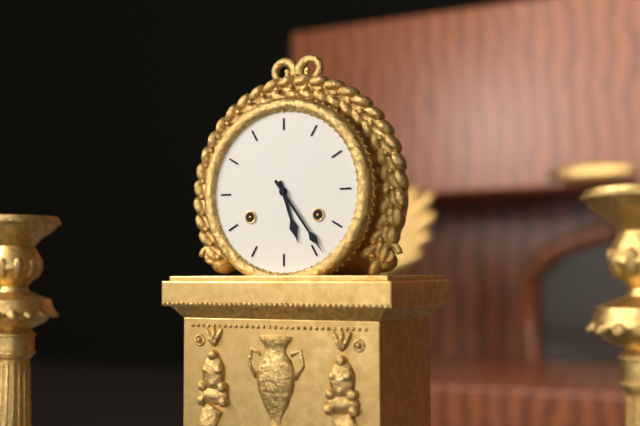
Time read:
5:24
